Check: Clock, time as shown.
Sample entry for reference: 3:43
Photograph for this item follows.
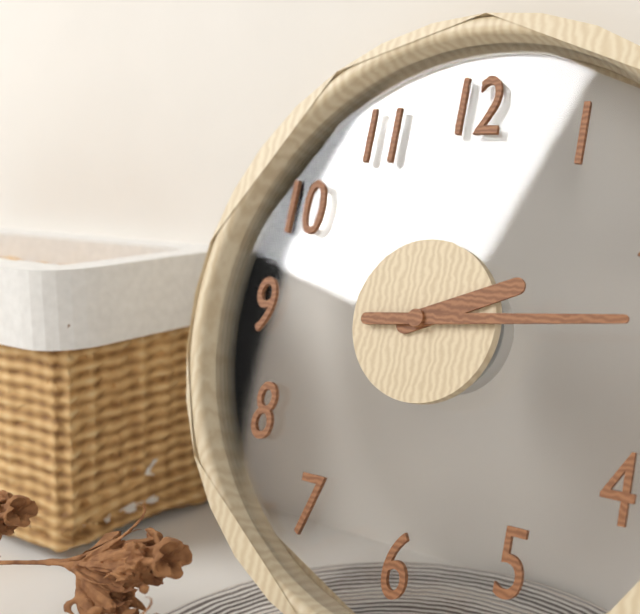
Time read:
2:14
